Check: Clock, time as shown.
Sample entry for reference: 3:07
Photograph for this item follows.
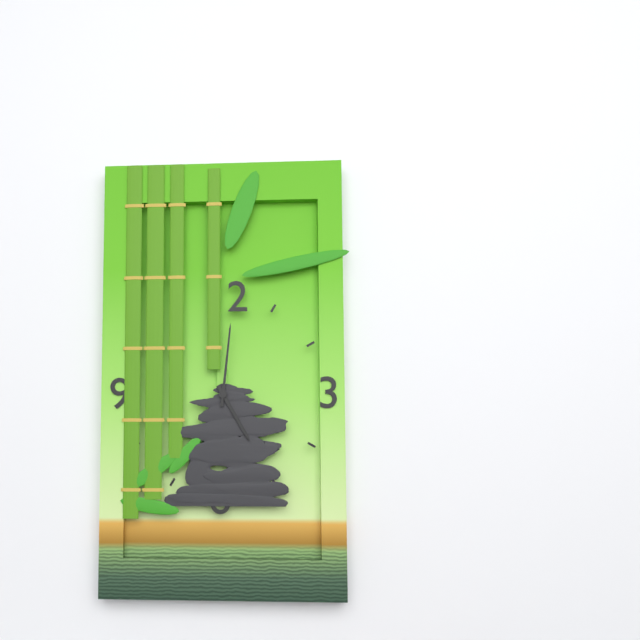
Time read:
5:01
